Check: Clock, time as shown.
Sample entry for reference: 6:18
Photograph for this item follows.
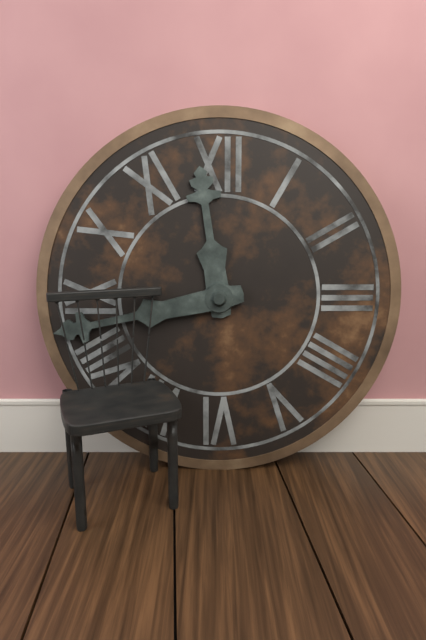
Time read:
11:43
